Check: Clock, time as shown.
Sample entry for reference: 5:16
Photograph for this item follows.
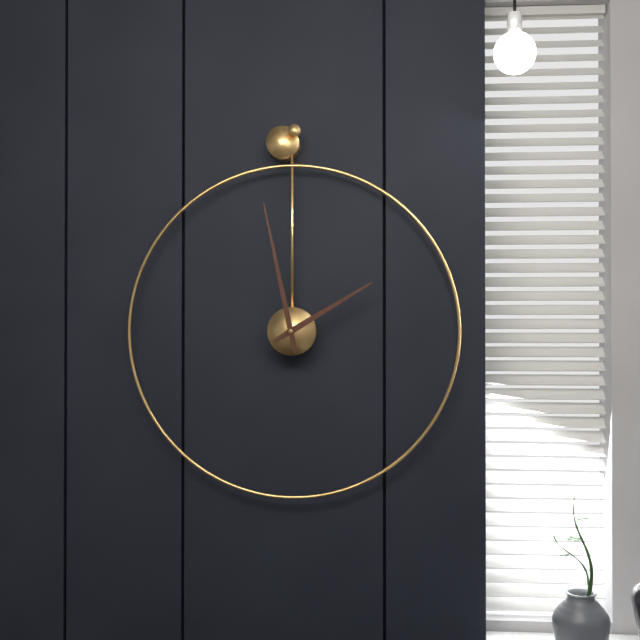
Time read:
1:58
